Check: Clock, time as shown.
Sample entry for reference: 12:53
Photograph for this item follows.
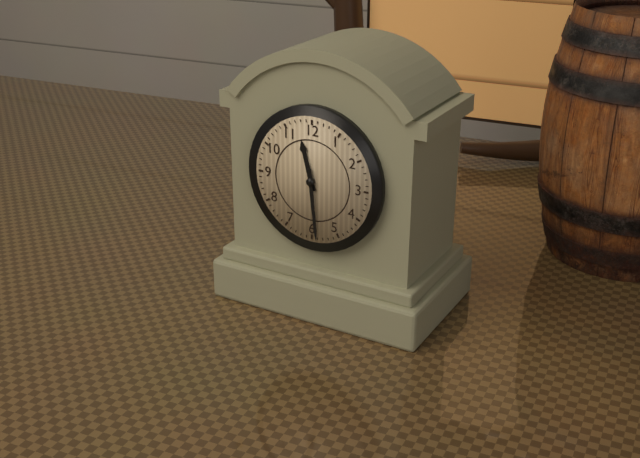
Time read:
11:29
